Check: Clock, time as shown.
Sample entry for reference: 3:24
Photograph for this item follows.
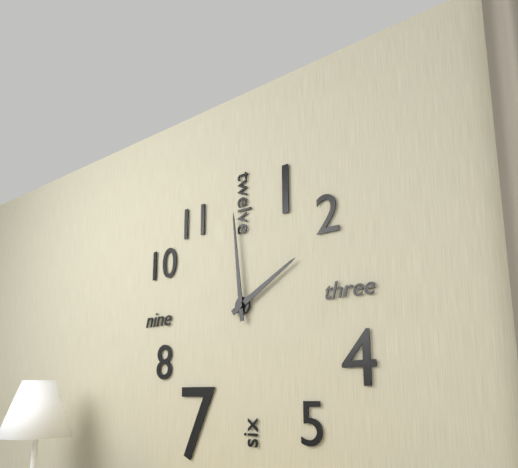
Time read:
1:59
